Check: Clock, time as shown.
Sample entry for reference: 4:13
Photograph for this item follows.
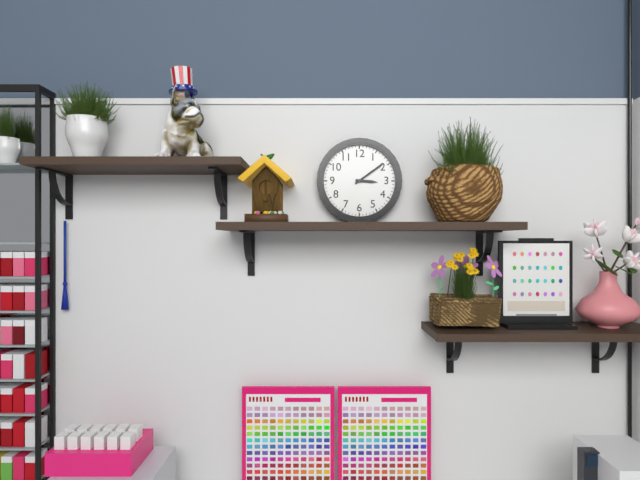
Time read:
3:09
